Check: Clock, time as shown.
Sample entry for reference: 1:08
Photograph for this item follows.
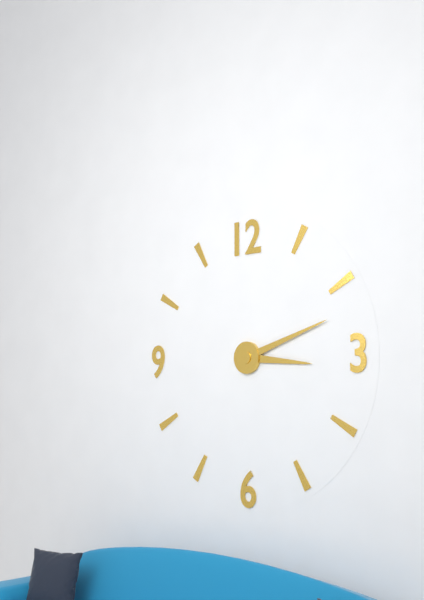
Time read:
3:12
